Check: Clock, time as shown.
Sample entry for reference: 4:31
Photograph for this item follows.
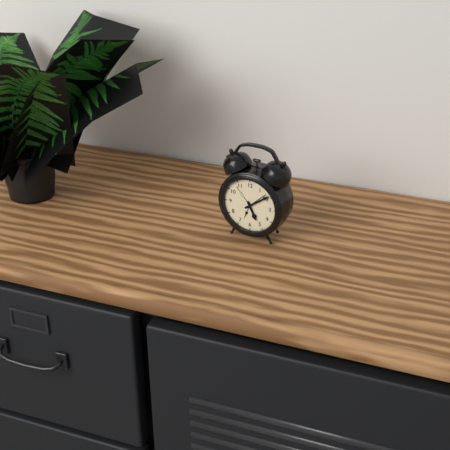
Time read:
5:09
